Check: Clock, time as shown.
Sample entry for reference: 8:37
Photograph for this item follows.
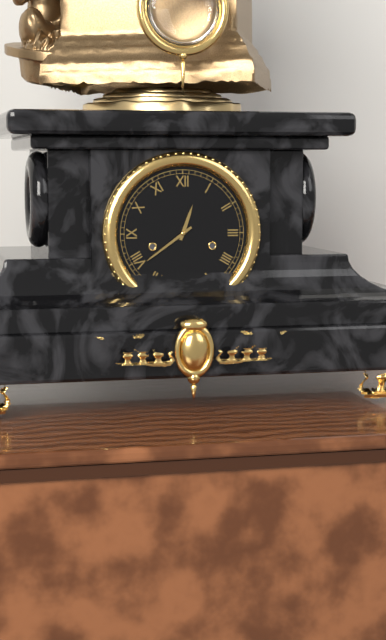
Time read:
12:39
